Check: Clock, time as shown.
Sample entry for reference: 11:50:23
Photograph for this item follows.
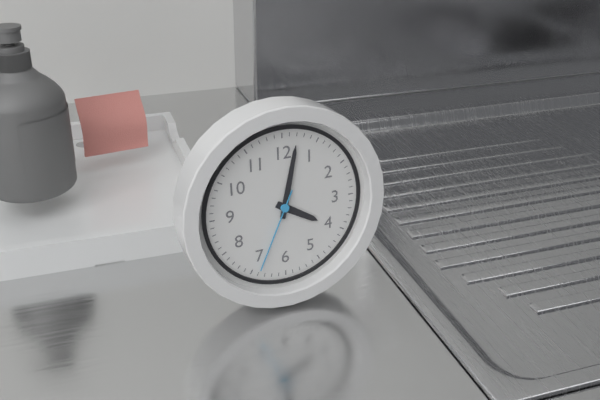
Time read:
4:02:34
